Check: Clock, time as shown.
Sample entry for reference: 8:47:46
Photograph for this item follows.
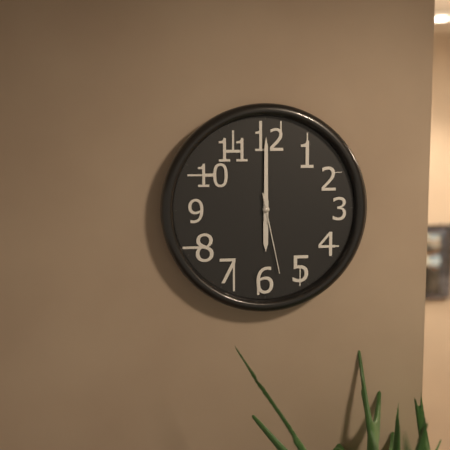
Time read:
6:00:28
